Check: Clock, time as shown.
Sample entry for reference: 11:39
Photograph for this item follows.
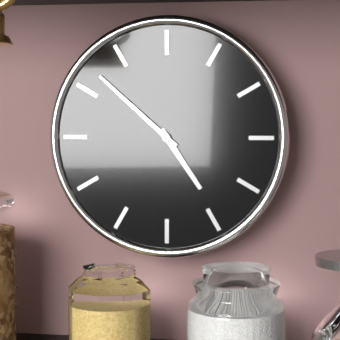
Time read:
4:52
